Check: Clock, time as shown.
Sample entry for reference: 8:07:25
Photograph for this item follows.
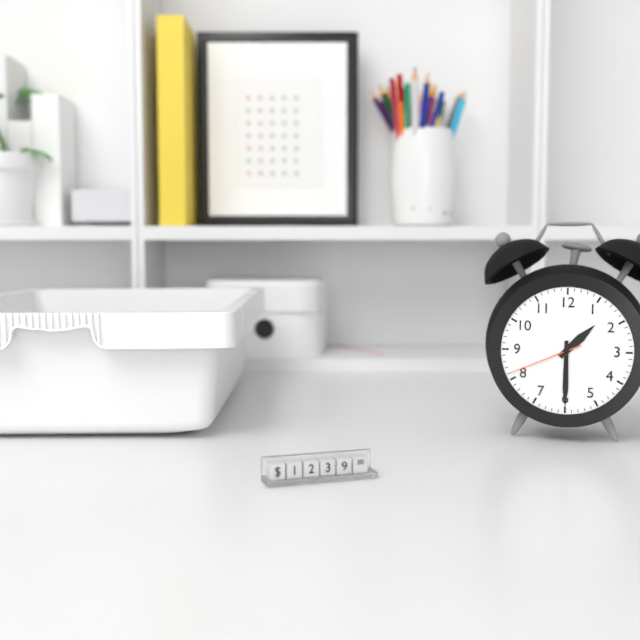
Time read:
1:30:41
